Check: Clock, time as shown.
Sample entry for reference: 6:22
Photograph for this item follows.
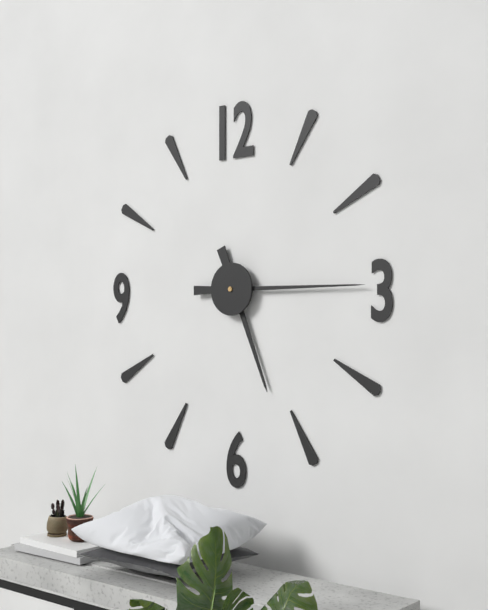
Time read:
5:15
